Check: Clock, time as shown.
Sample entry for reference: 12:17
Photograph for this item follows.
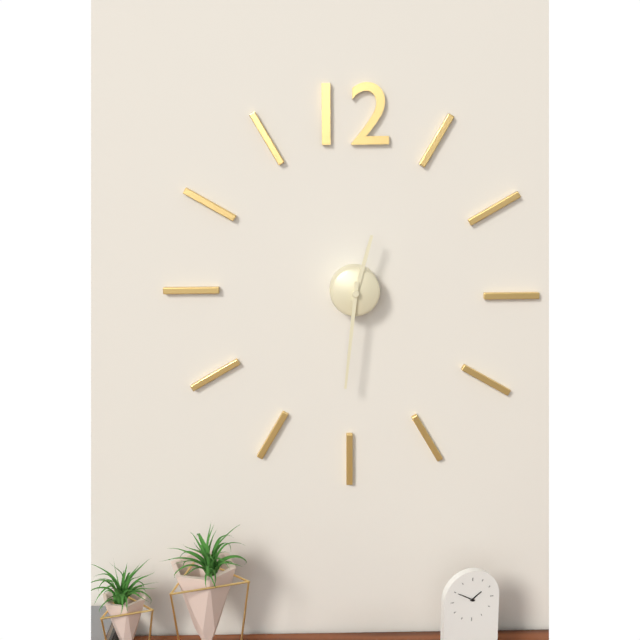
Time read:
12:31
